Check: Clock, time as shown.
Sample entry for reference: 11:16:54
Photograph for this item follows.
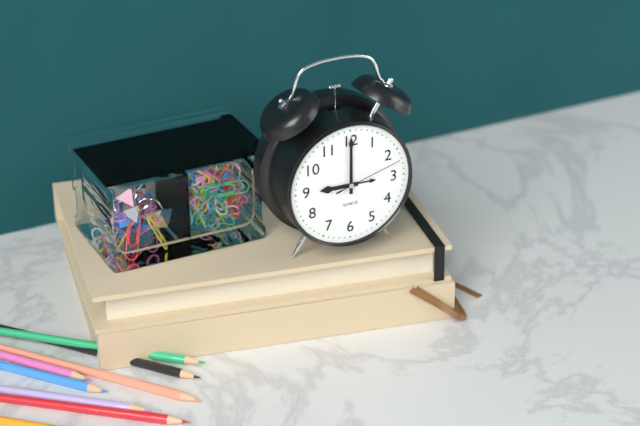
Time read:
9:00:12
